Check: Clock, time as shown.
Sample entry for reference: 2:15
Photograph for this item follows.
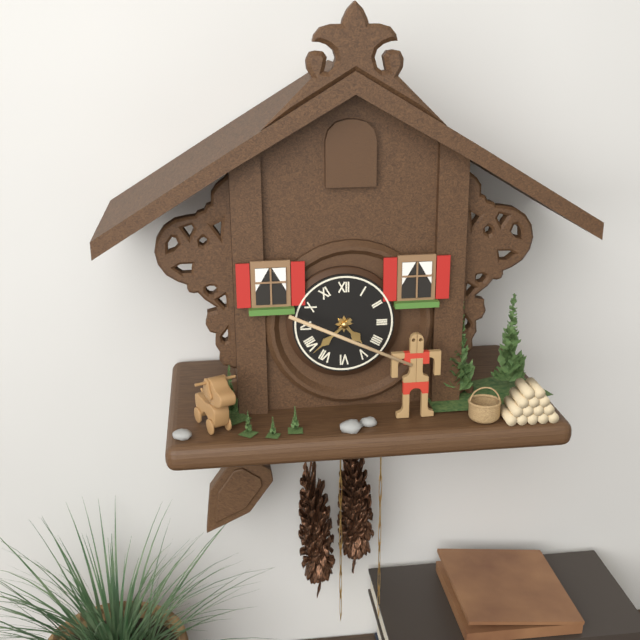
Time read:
4:38
